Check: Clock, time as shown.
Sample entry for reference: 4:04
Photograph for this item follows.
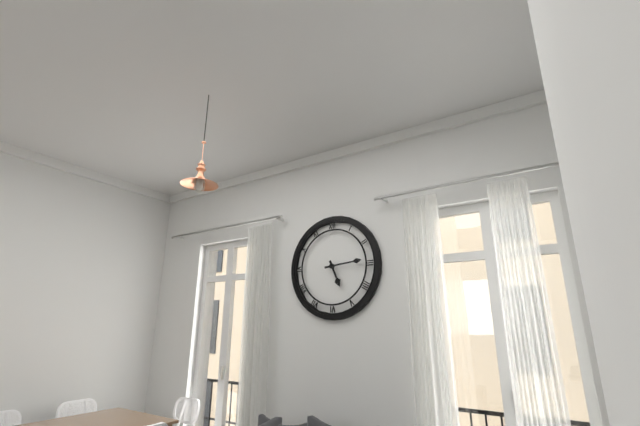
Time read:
5:14
